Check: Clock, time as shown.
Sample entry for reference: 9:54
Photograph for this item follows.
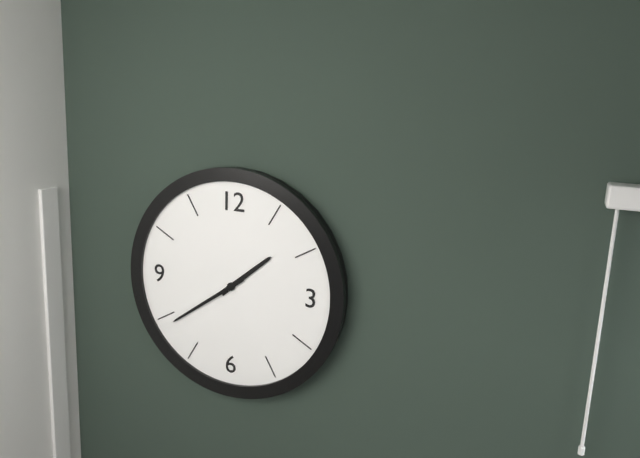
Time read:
1:39
